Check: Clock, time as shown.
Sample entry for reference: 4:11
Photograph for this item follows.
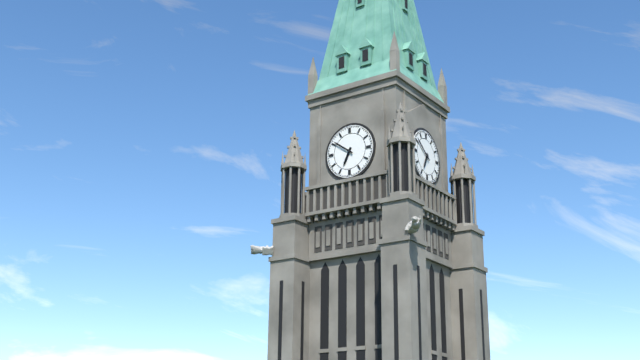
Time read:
6:51
